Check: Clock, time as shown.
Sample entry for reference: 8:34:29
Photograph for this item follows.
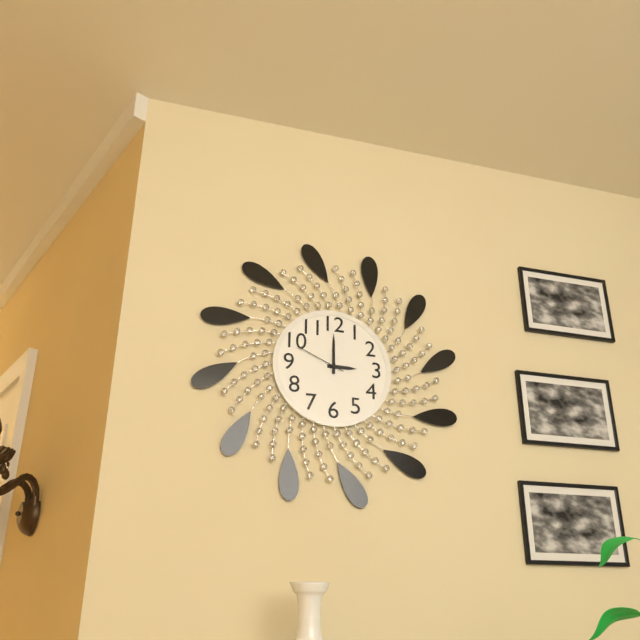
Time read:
3:00:49
